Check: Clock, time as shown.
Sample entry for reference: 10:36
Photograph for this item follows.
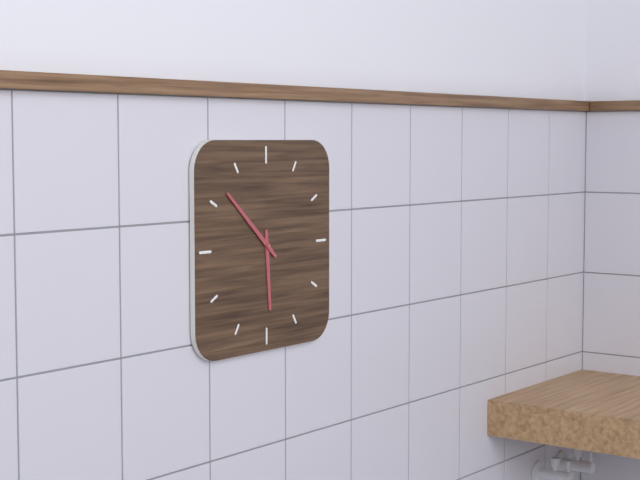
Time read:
5:52
